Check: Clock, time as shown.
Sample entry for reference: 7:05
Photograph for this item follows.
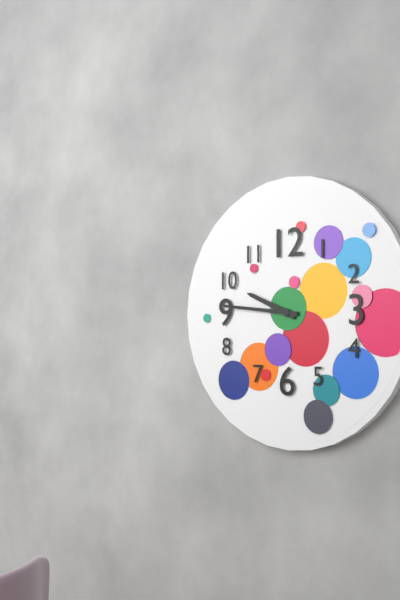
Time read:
9:46
